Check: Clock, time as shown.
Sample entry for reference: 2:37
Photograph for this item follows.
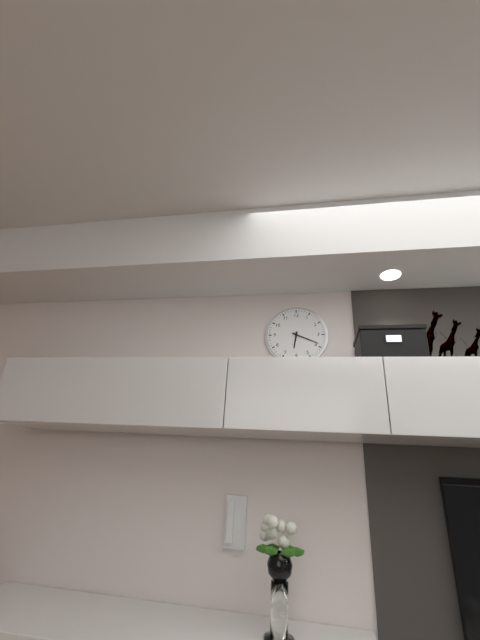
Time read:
6:19
